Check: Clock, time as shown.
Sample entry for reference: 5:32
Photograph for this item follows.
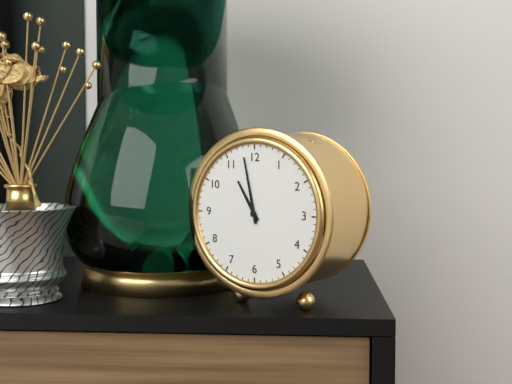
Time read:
10:58
